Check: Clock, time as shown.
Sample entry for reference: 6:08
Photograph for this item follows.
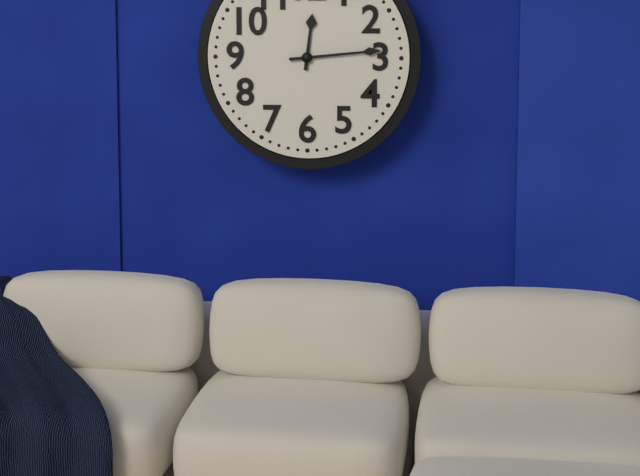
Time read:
12:14
